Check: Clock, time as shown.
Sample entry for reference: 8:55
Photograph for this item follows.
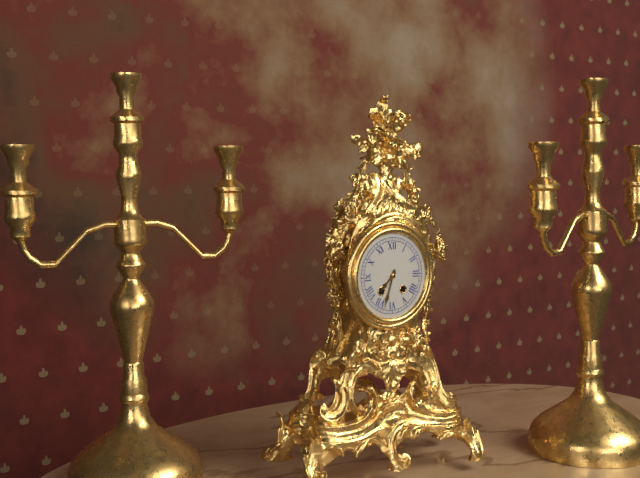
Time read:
7:33
